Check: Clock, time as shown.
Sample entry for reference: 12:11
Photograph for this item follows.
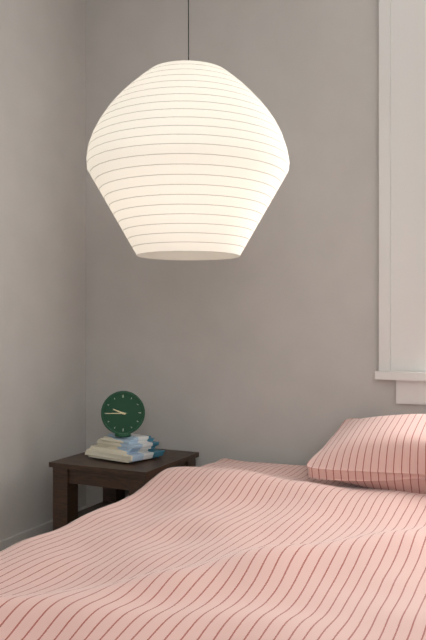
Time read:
9:45
